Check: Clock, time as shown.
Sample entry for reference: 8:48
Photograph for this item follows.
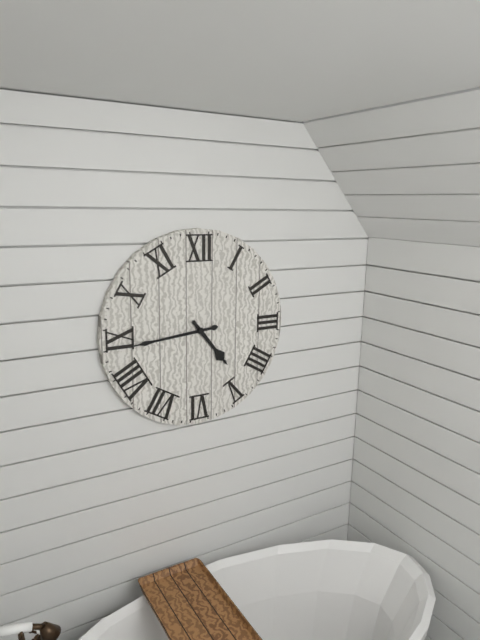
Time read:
4:44
